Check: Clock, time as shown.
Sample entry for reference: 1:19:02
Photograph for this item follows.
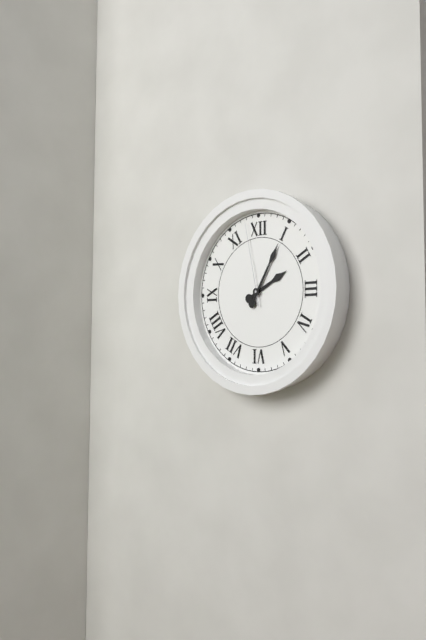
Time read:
2:05:58
